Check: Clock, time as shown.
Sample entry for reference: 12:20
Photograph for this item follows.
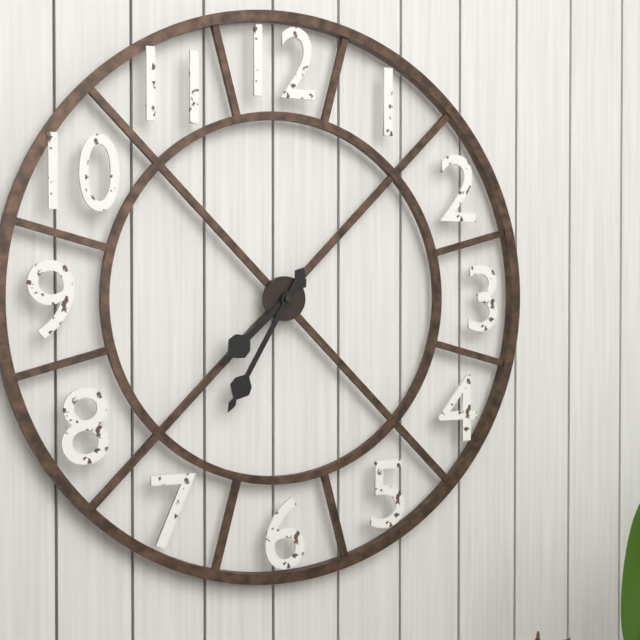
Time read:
7:35
